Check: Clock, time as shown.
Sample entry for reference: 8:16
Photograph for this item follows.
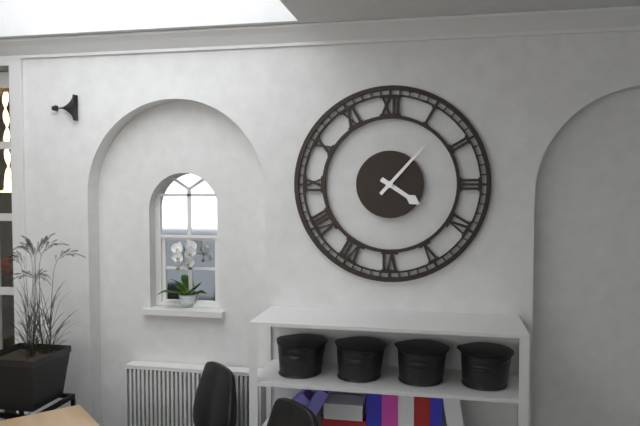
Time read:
4:07
